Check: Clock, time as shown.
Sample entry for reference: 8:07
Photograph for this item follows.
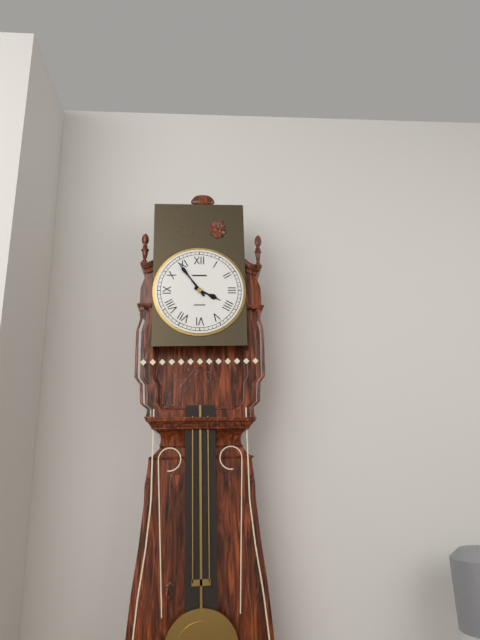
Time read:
3:54
